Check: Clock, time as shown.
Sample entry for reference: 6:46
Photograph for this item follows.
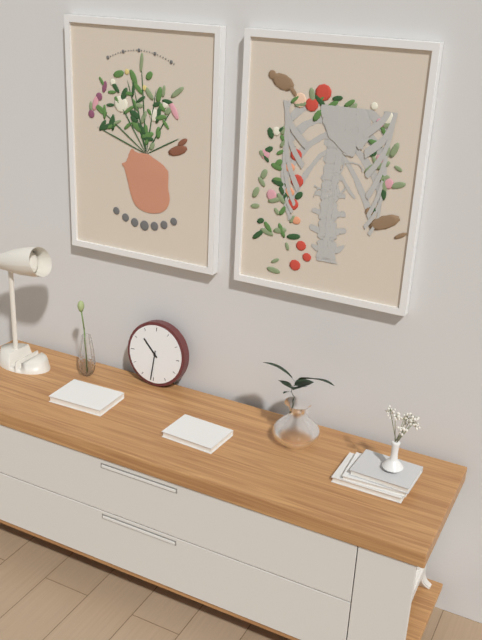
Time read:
10:31
